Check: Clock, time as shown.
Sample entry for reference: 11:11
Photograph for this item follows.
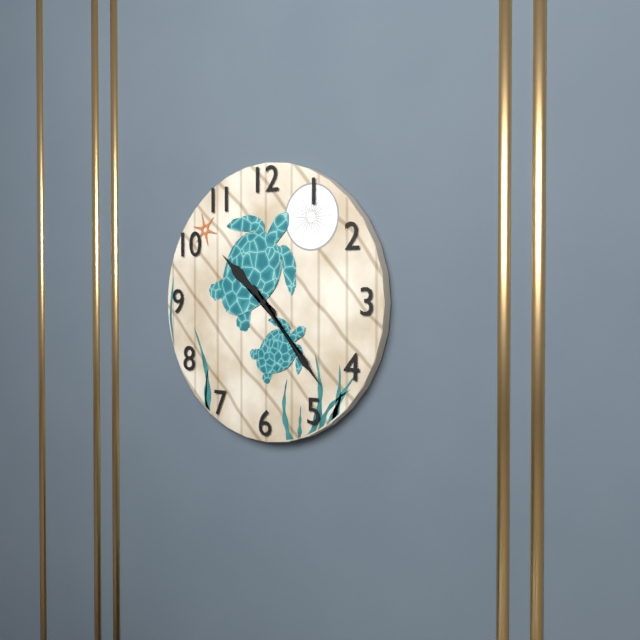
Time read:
10:23
